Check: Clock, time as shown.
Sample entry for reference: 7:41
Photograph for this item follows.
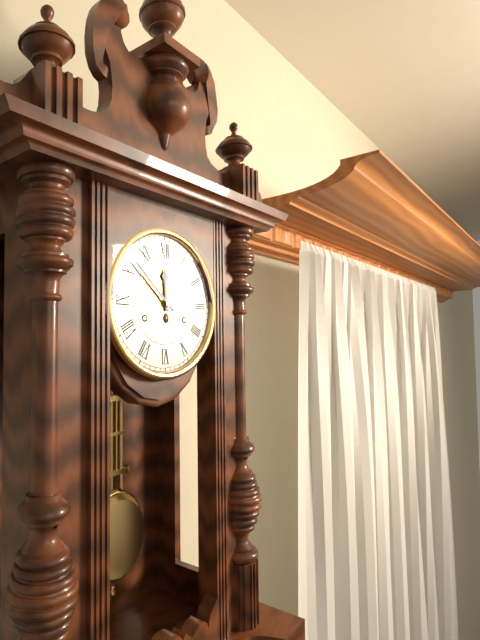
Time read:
11:52
